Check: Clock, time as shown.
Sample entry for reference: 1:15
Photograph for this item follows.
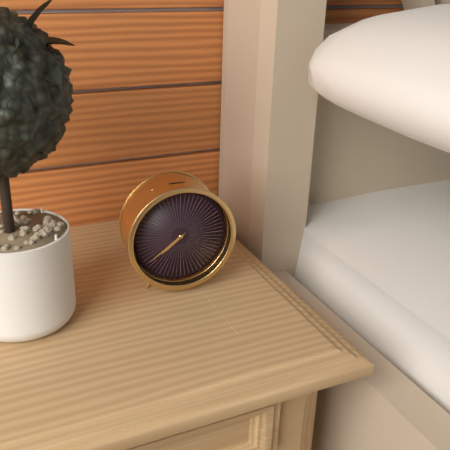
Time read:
7:39
